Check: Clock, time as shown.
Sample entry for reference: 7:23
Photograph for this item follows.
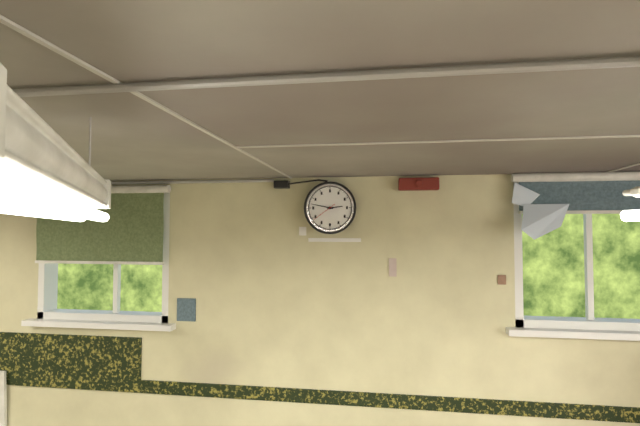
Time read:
2:47
